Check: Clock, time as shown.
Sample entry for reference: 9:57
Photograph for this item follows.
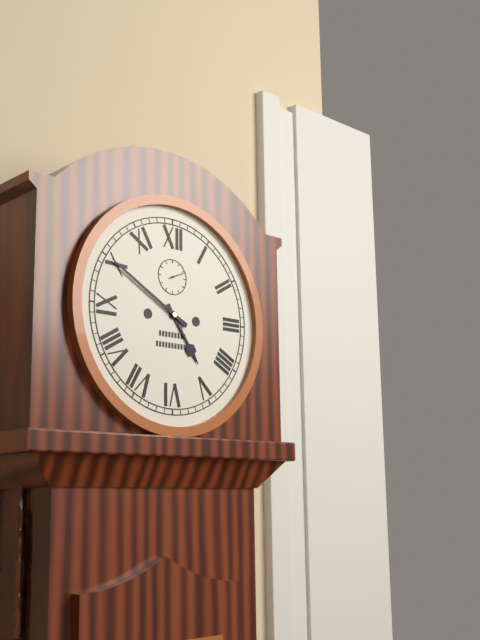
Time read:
4:50
